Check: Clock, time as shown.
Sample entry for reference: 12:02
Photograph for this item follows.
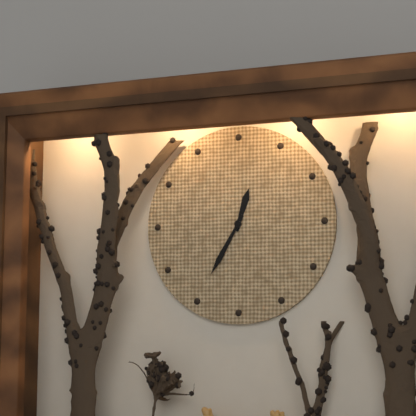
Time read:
12:35
